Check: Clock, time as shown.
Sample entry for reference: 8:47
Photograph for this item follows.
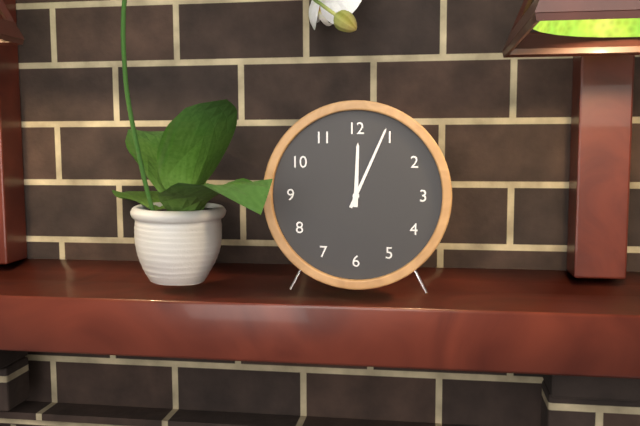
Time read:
12:04
